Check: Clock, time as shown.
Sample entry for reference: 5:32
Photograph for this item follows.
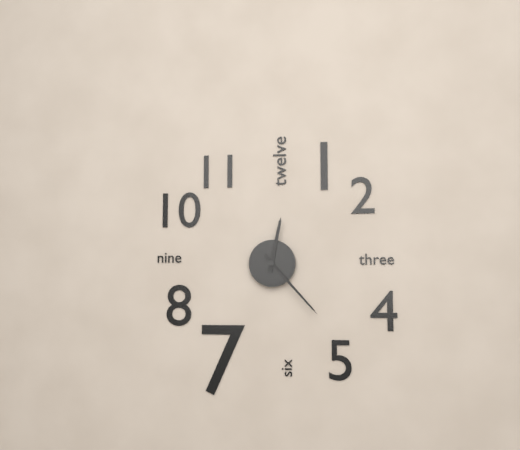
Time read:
12:23
